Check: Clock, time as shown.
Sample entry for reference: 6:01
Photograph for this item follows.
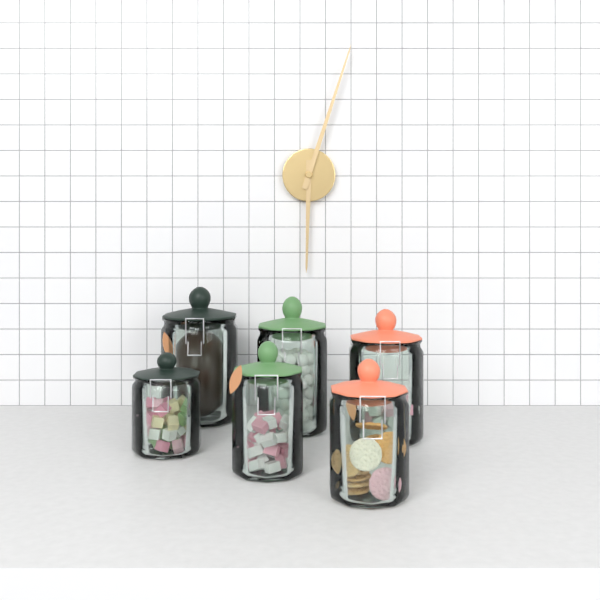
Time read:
6:03
